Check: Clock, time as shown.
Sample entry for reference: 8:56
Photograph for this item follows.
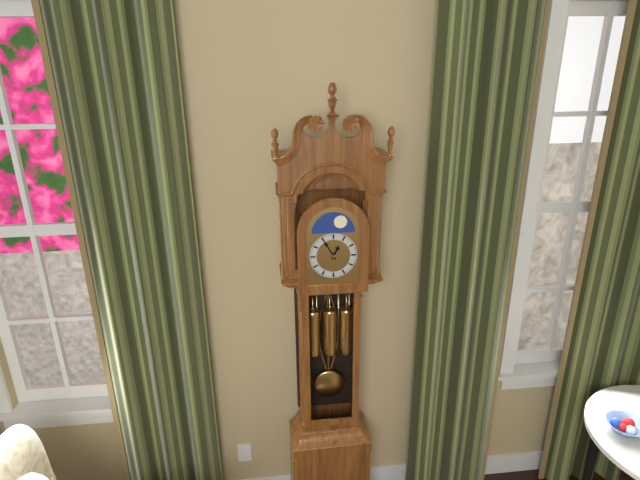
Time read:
12:55
